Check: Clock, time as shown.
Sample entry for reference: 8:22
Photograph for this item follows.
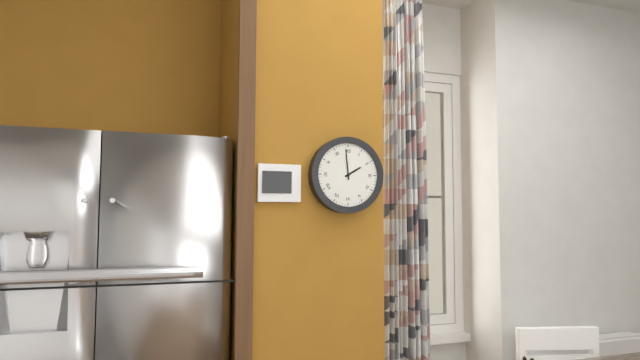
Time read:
1:59
